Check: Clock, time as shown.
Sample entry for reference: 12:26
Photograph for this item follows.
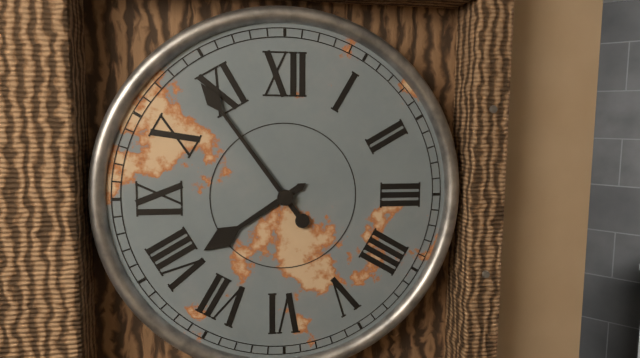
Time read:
7:54
